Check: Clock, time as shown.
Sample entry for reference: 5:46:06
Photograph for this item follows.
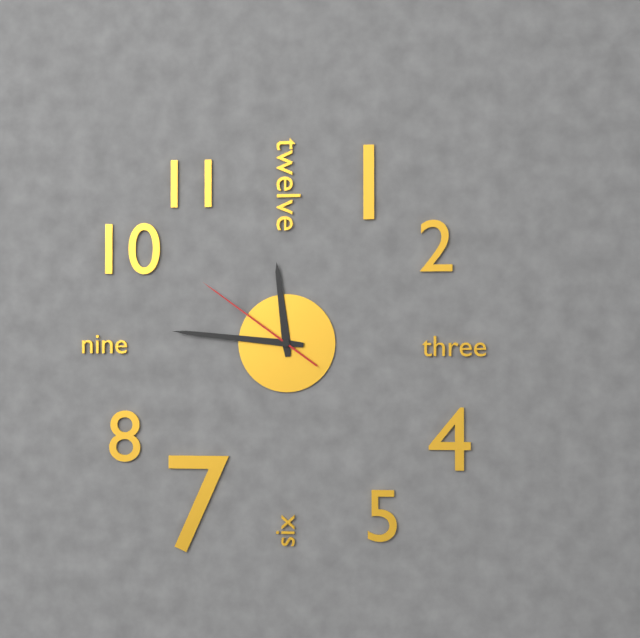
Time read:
11:46:51
